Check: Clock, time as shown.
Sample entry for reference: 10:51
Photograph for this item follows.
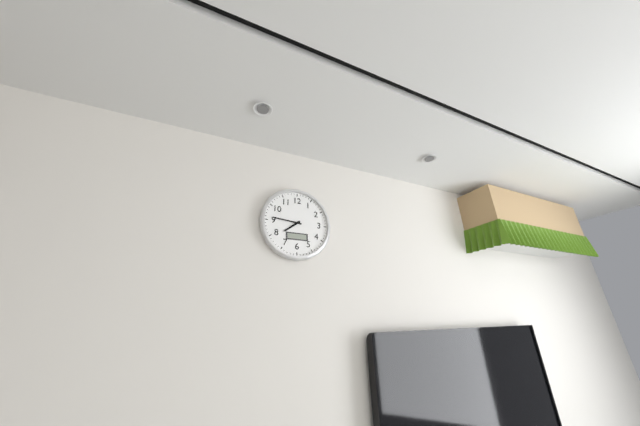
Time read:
7:46
